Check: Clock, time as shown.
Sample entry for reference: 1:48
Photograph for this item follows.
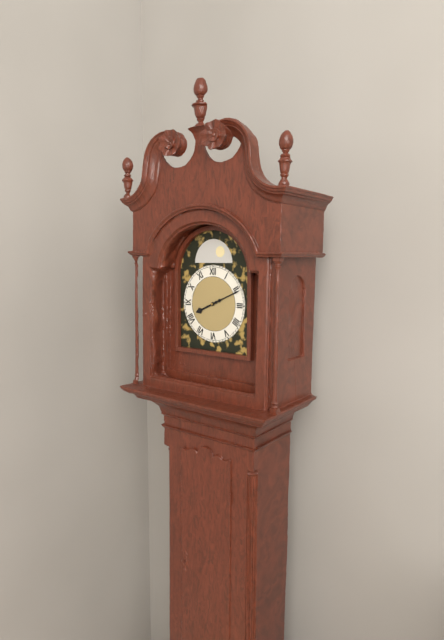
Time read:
8:11
